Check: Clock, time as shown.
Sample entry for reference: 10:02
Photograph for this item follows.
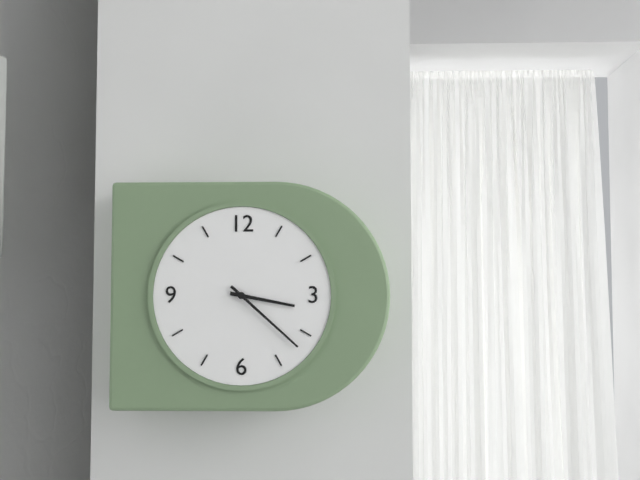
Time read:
3:22
